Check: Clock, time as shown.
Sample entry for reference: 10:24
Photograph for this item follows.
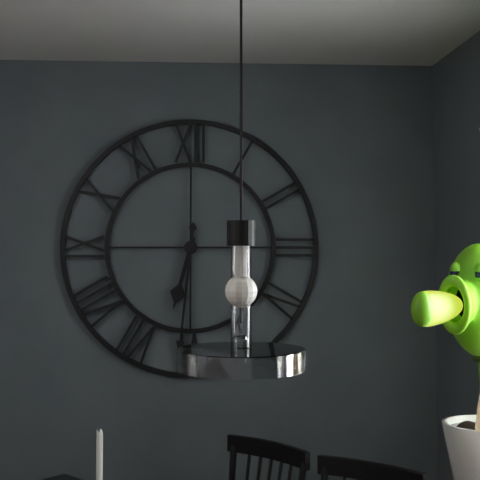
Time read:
6:31
